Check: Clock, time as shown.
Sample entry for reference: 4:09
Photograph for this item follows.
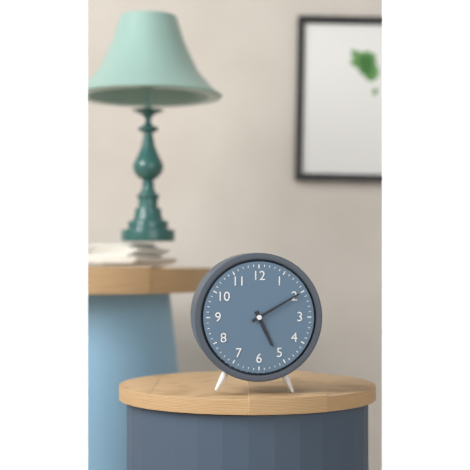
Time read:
5:10
